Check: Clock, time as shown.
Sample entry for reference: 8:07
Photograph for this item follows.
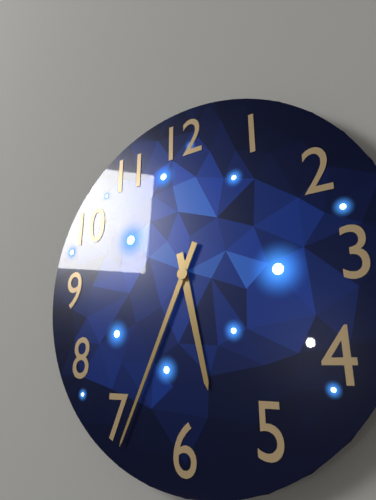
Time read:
5:34
